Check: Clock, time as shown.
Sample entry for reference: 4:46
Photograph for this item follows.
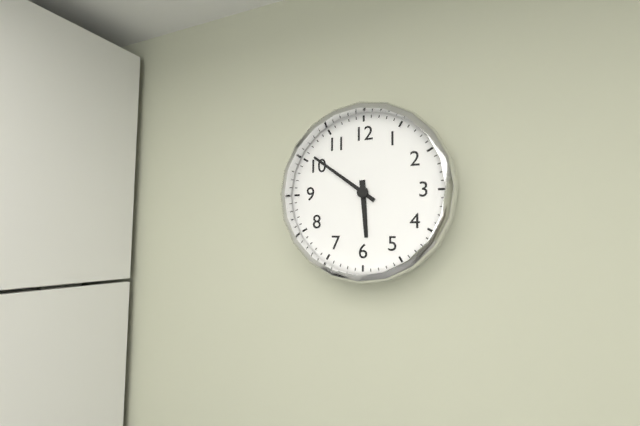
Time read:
5:51
